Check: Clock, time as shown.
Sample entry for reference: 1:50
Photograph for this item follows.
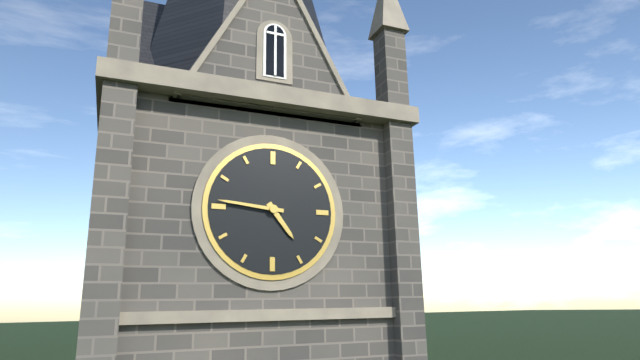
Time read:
4:46
